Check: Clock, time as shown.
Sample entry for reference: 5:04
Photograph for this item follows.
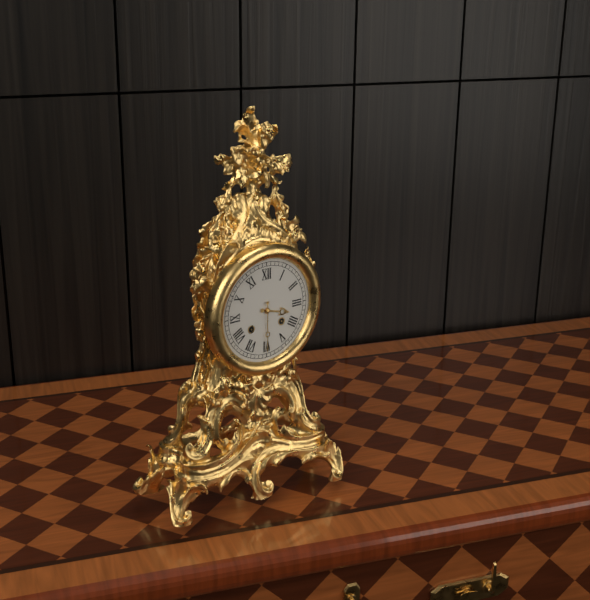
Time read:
3:30
